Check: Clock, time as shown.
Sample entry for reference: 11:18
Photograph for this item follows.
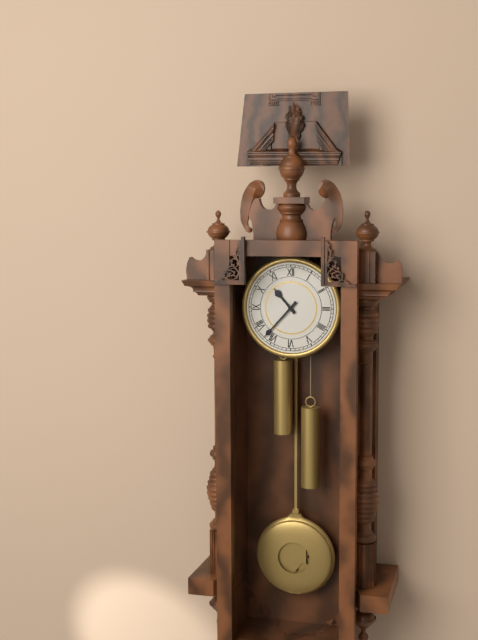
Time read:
10:37
